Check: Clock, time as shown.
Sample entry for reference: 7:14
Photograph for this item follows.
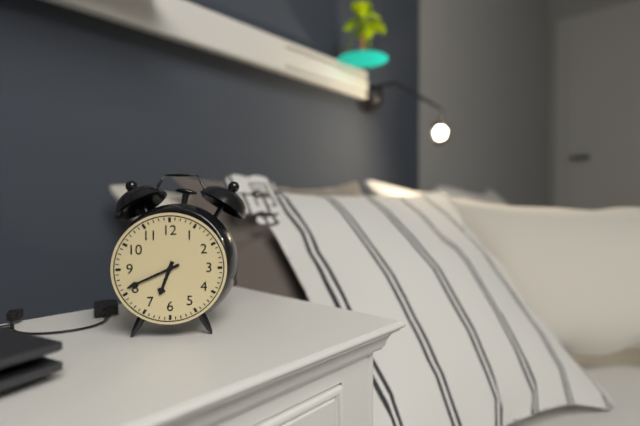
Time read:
6:41
